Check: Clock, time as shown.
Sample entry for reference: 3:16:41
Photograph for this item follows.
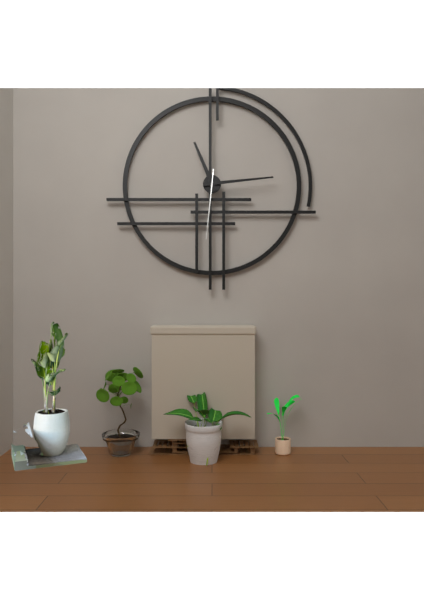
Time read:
11:14:31
